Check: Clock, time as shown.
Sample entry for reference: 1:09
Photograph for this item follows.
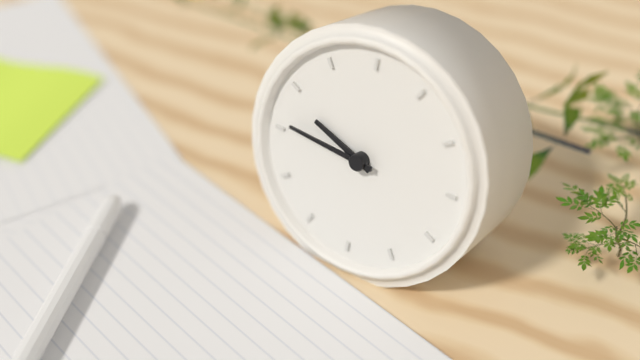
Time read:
9:46
